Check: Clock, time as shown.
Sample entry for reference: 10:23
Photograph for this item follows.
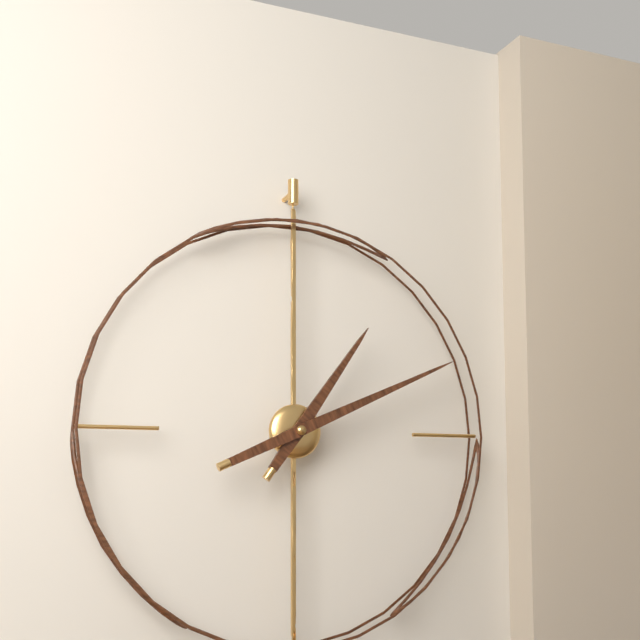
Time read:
1:11
